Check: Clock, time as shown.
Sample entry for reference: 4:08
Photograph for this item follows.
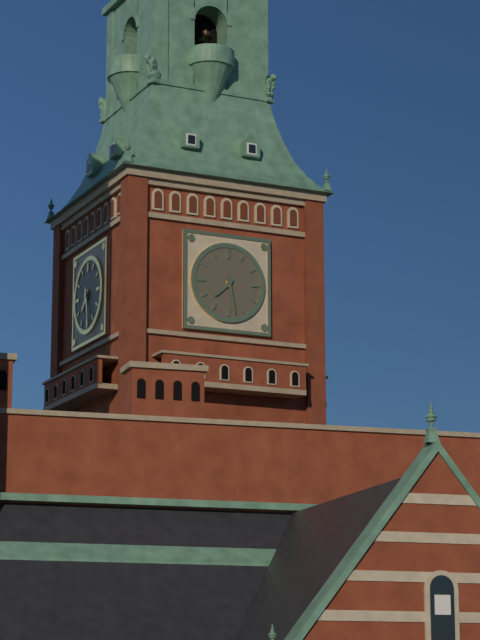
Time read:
7:28
